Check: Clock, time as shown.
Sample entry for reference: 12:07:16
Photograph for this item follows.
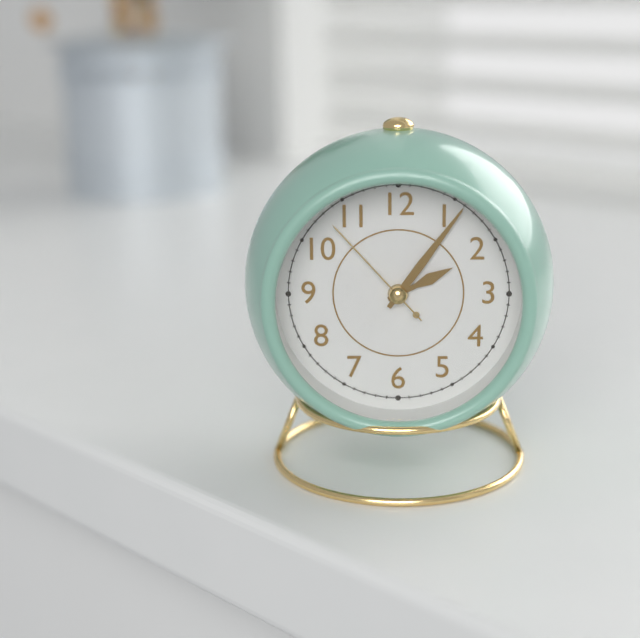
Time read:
2:06:53
